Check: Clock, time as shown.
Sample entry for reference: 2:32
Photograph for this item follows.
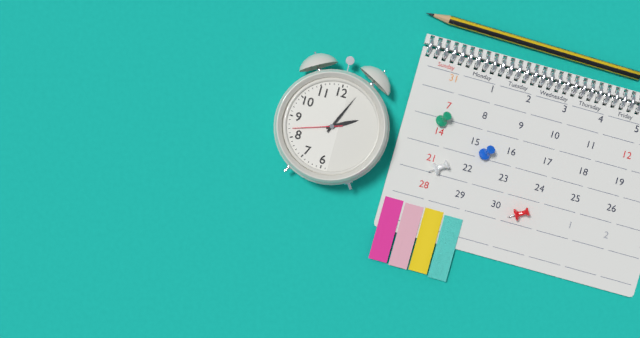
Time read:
2:04
